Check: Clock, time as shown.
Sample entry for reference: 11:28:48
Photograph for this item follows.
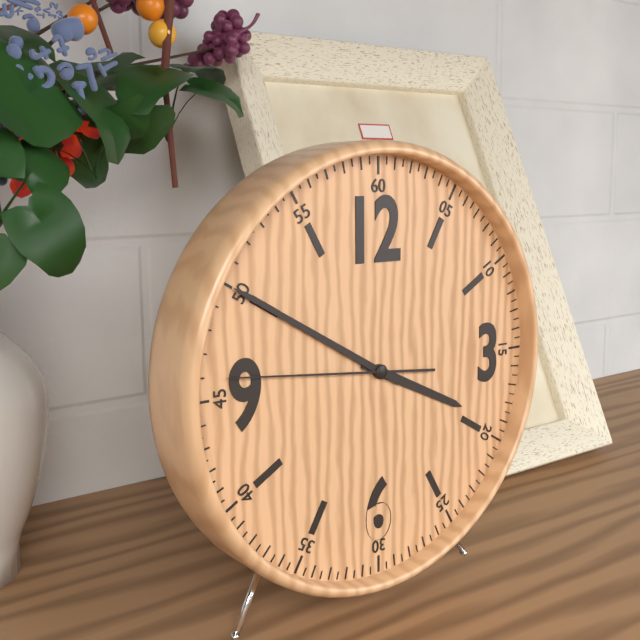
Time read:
3:50:46
